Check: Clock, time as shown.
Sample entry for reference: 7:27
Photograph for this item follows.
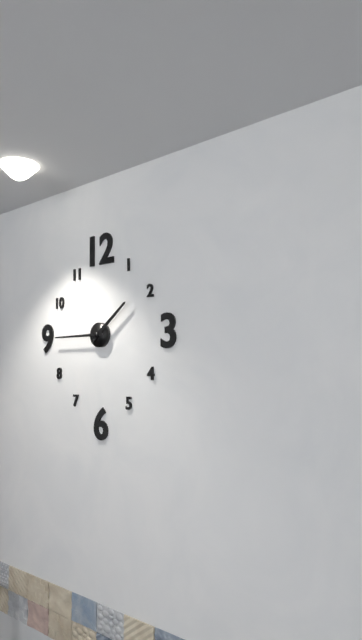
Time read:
1:45
